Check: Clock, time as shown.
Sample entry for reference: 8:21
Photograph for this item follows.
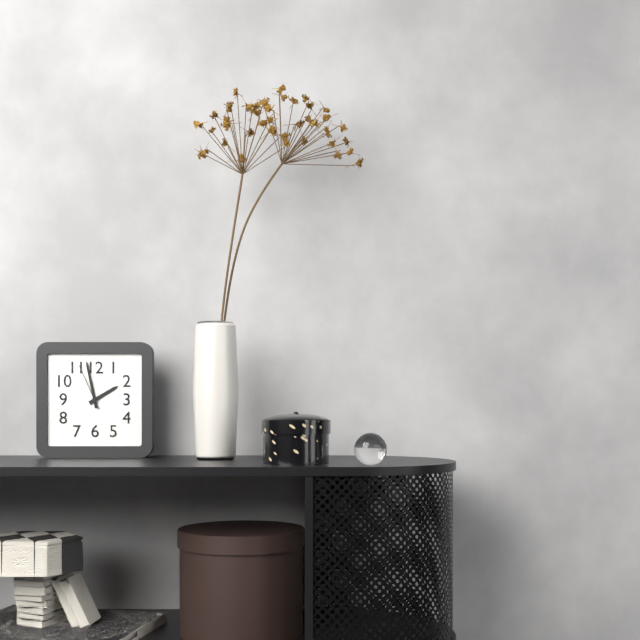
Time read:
1:58
